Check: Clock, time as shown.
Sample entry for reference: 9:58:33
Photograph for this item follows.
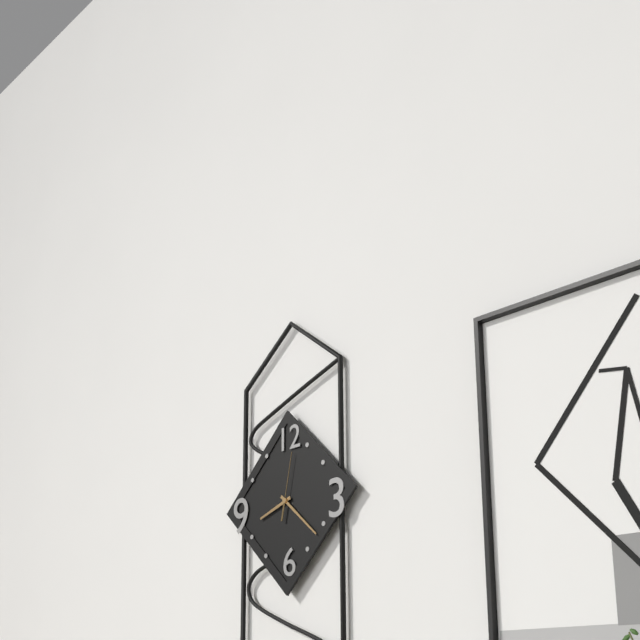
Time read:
8:22:02
